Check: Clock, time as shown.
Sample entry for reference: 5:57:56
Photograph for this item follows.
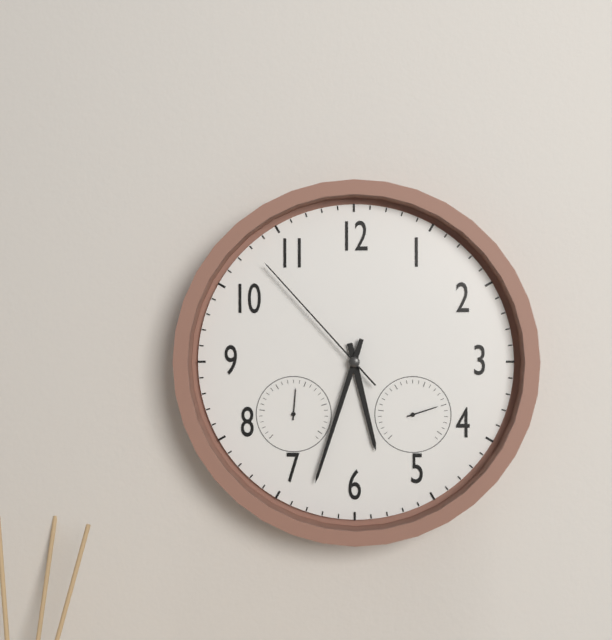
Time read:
5:33:53
